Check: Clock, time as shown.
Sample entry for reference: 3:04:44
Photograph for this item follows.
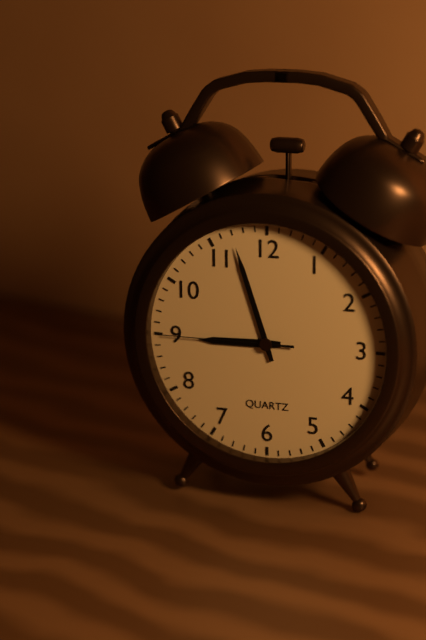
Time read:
8:57:45
